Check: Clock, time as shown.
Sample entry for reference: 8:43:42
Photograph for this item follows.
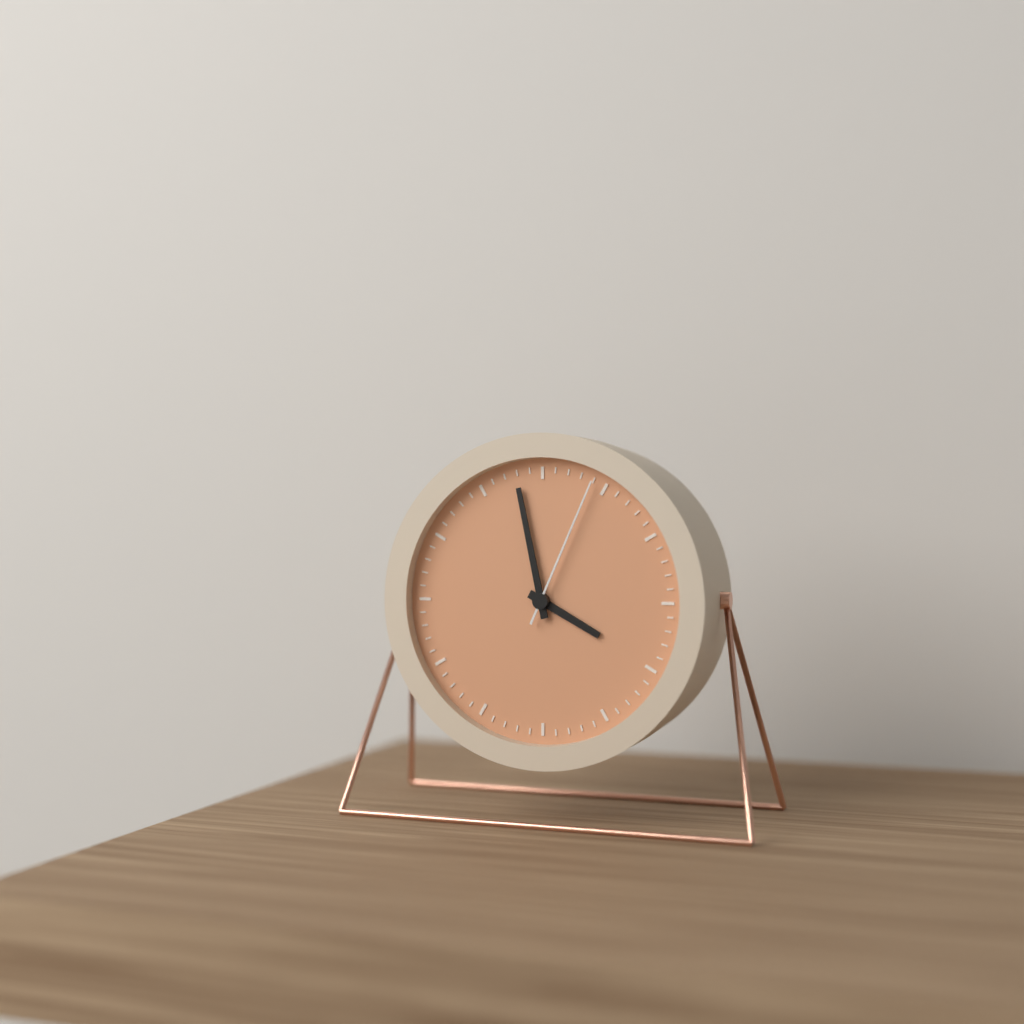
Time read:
3:58:04
